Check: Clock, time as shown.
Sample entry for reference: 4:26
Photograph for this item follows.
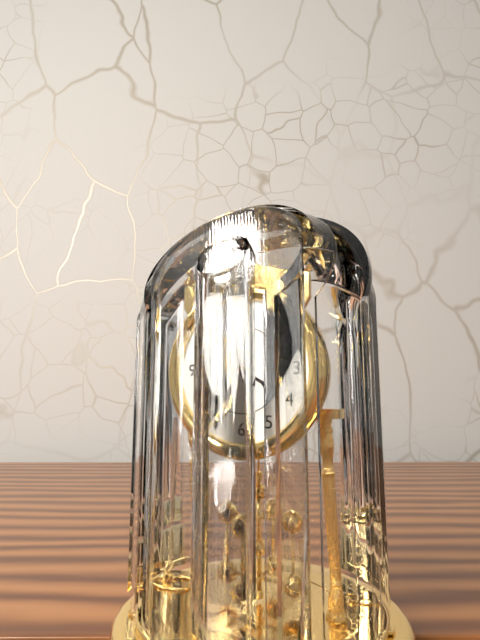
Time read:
3:58
